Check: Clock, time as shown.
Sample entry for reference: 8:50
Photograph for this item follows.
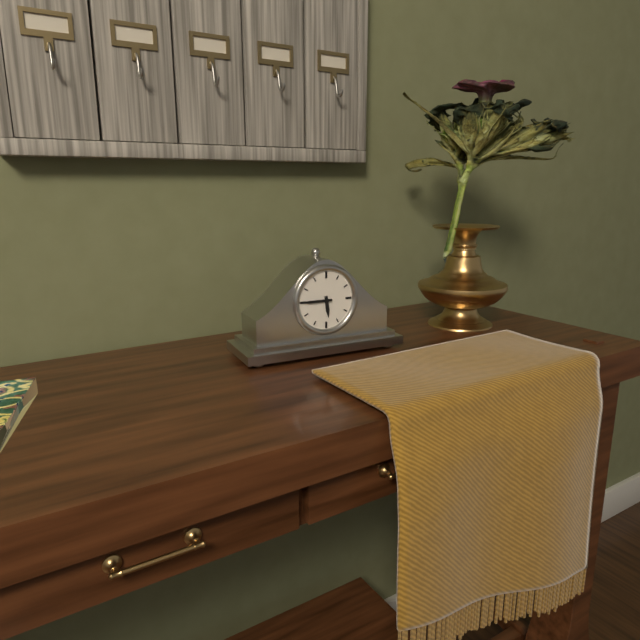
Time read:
5:45
